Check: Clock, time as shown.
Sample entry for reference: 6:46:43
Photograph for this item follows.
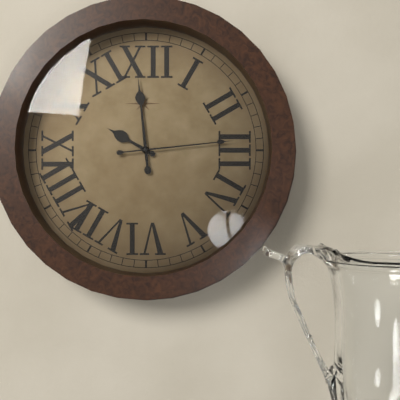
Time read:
9:59:14
